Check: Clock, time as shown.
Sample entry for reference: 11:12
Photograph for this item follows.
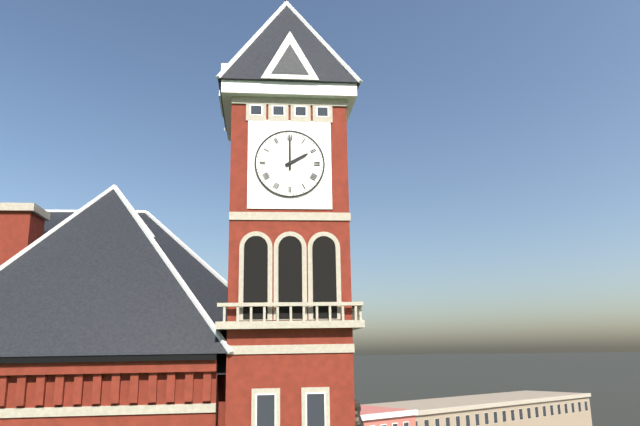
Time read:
2:00
